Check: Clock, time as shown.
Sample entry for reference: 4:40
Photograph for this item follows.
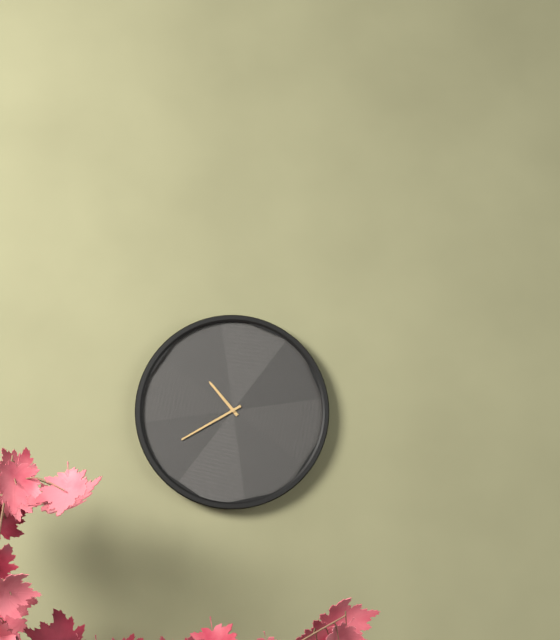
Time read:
10:40
